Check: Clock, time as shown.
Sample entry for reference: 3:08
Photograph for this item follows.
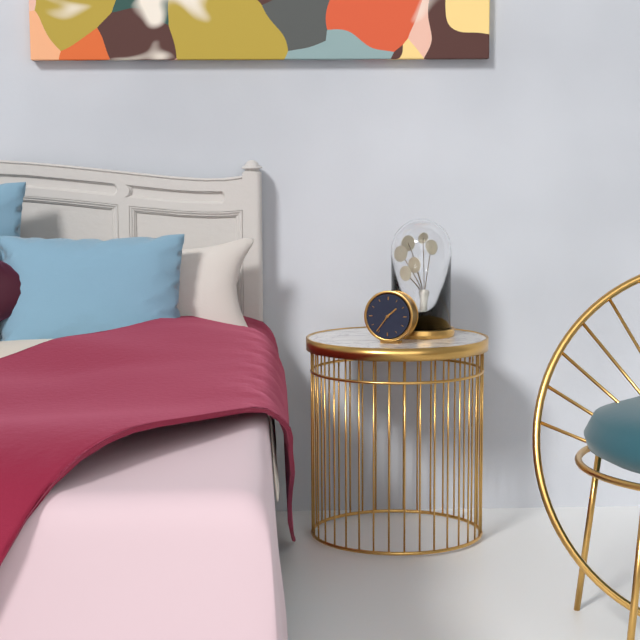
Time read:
1:36
